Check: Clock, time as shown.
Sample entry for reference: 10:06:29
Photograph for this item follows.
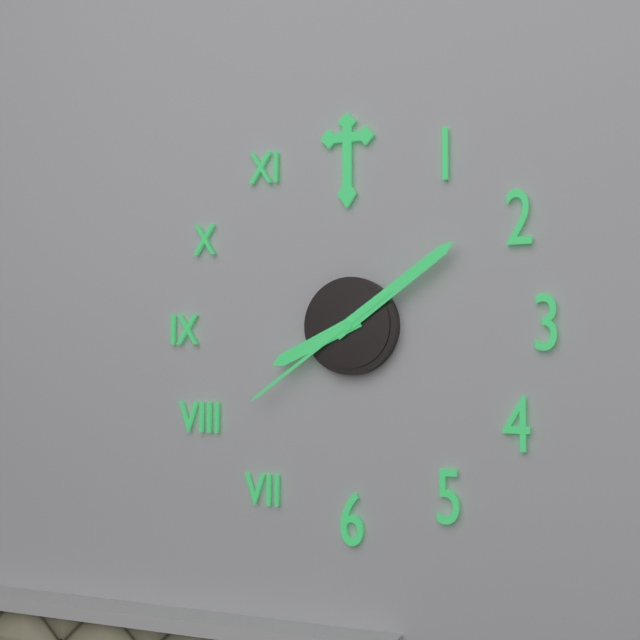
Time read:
8:09:39
